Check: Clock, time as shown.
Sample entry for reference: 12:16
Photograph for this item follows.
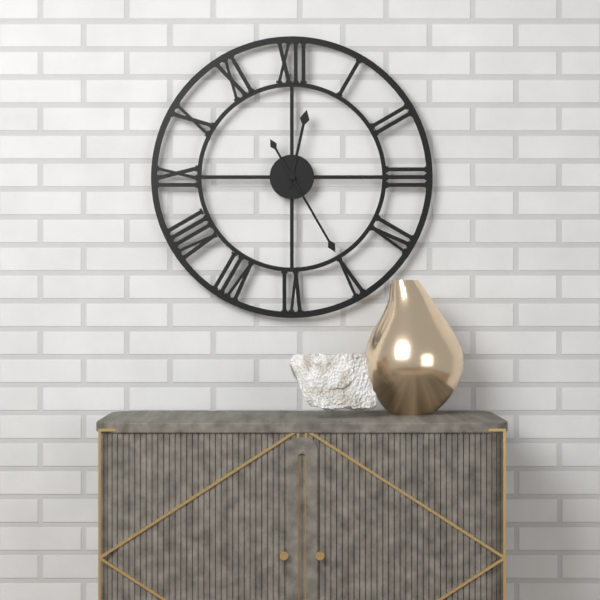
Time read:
12:25
